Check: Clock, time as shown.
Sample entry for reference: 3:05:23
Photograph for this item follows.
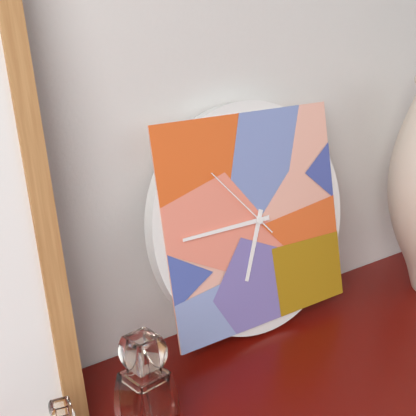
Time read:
6:45:53
